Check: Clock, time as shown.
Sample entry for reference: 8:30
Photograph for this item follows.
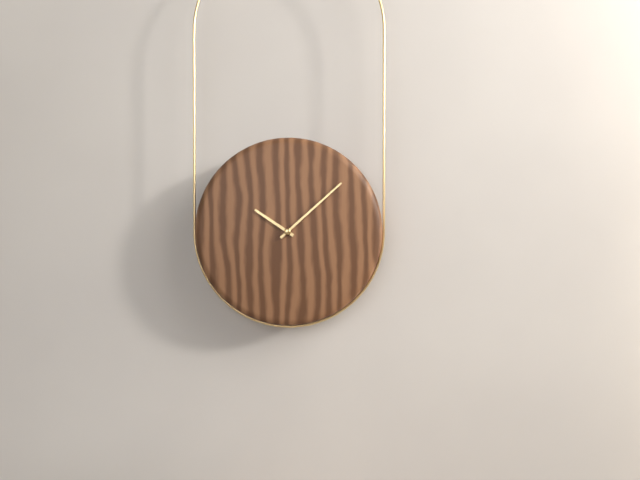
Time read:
10:08
